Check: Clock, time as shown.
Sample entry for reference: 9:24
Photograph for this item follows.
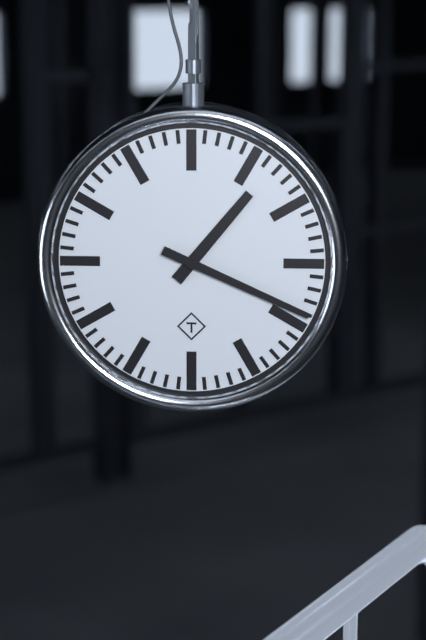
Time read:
1:19
